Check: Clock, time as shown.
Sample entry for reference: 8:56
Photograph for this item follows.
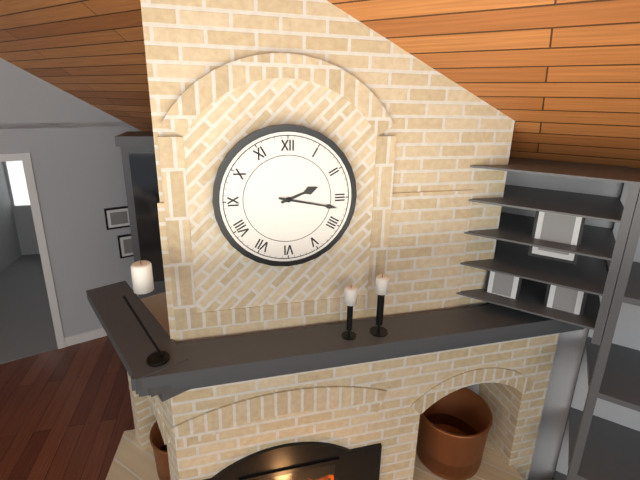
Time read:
2:17
